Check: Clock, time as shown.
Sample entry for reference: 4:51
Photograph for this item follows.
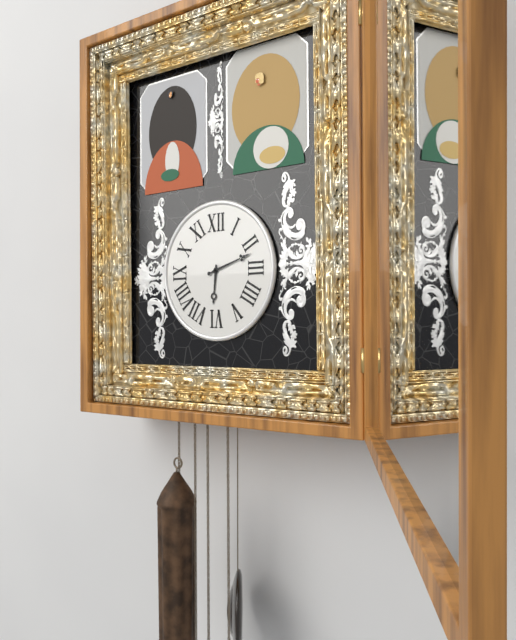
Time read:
6:12
